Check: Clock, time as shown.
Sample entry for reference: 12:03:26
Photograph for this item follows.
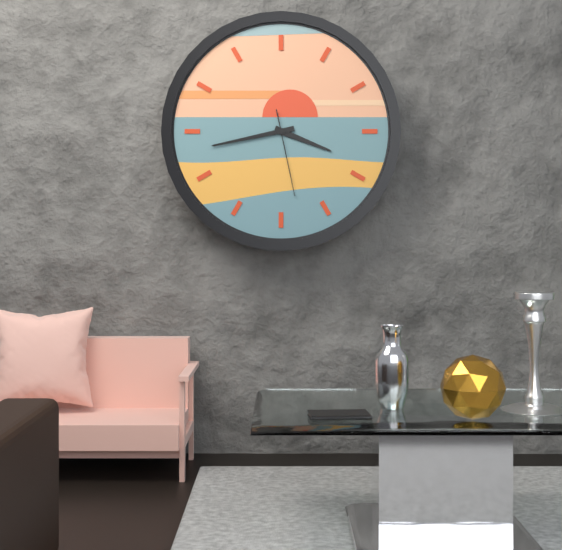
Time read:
3:43:28
